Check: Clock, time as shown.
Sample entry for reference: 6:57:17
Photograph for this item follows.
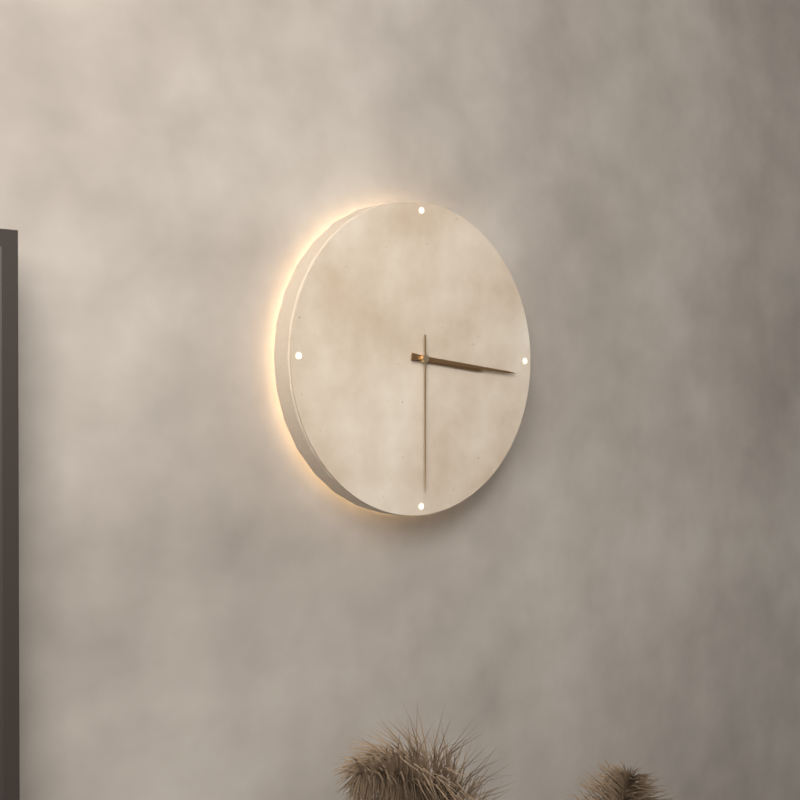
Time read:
3:16:30
